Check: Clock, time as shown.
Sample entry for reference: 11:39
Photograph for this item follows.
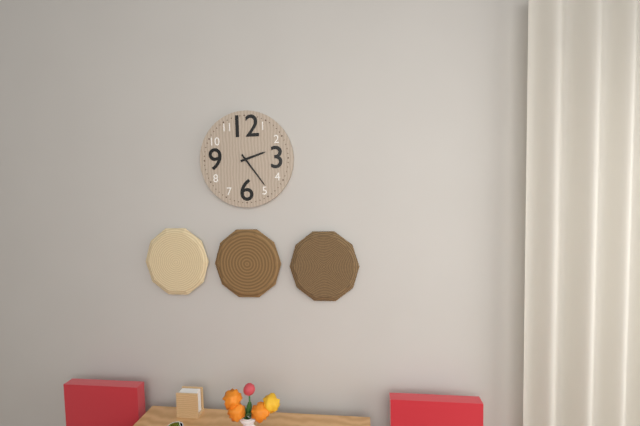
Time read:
2:24
